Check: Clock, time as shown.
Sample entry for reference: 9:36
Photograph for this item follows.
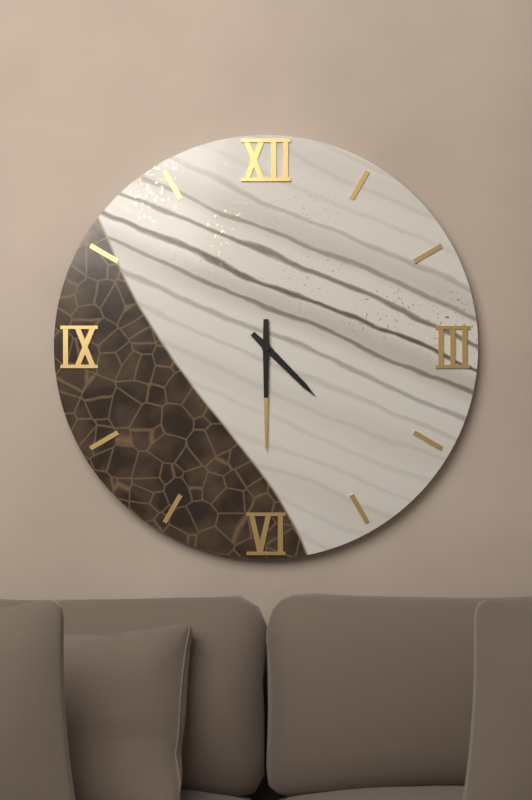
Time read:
4:30
